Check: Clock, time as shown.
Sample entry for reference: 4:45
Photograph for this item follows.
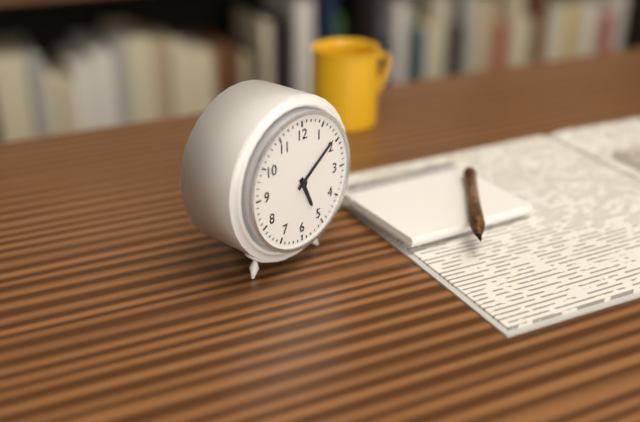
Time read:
5:09
